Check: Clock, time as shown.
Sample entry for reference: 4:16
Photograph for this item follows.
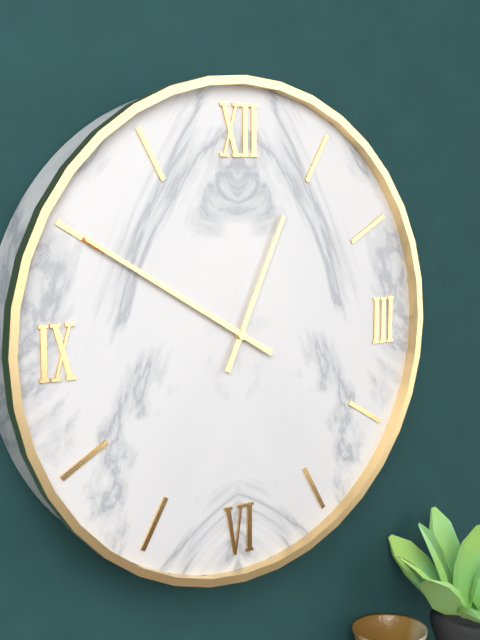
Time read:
12:50
